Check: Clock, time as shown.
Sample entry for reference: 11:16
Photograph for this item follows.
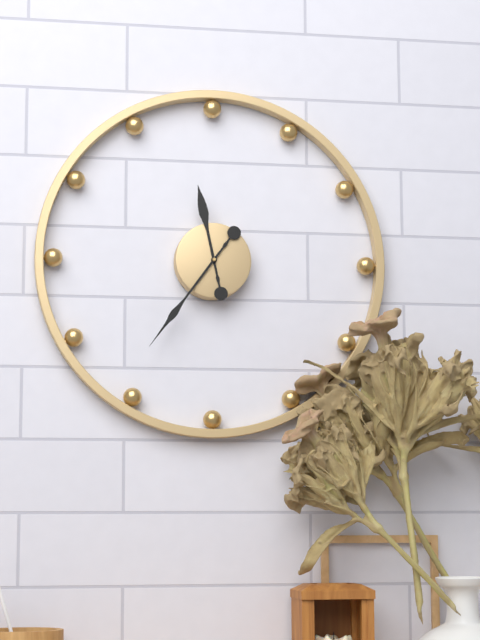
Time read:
11:36
